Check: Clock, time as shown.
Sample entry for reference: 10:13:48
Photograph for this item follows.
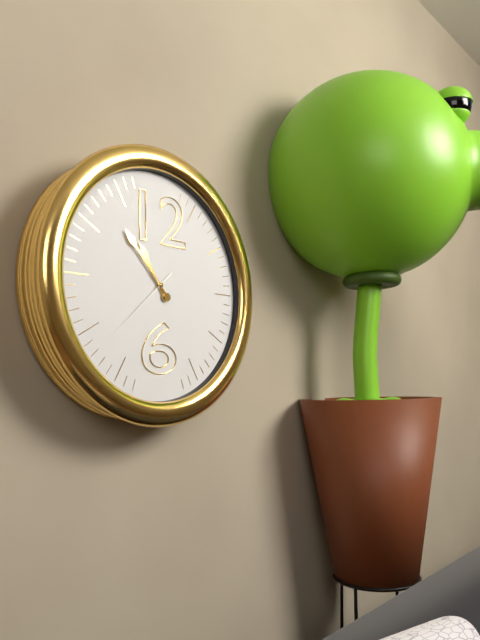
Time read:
10:53:38
